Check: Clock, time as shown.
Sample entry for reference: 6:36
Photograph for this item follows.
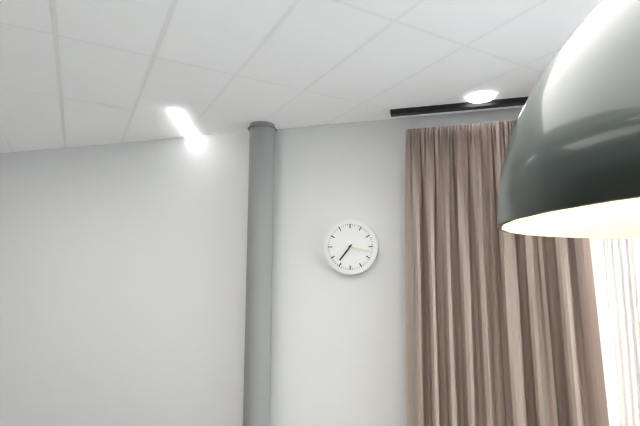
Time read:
7:17
